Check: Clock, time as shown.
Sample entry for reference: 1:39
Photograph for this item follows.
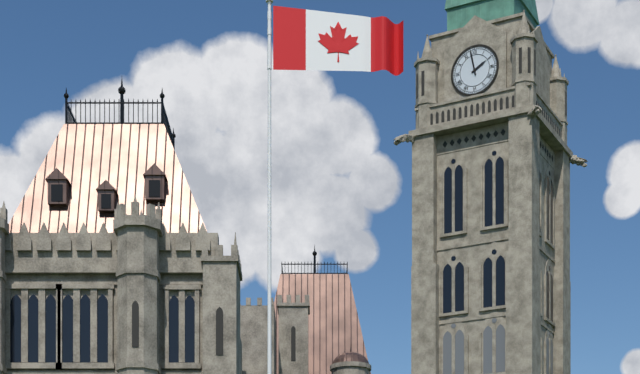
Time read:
1:58
